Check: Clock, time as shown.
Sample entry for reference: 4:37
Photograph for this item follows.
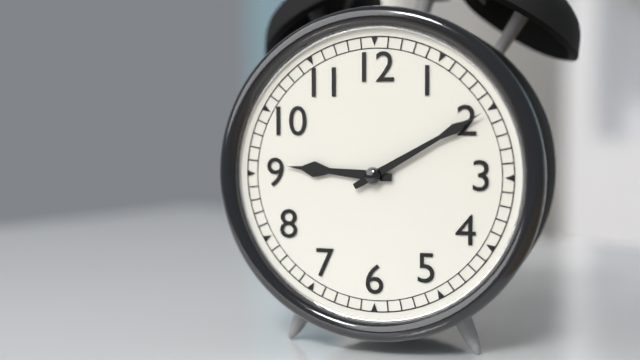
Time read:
9:10
